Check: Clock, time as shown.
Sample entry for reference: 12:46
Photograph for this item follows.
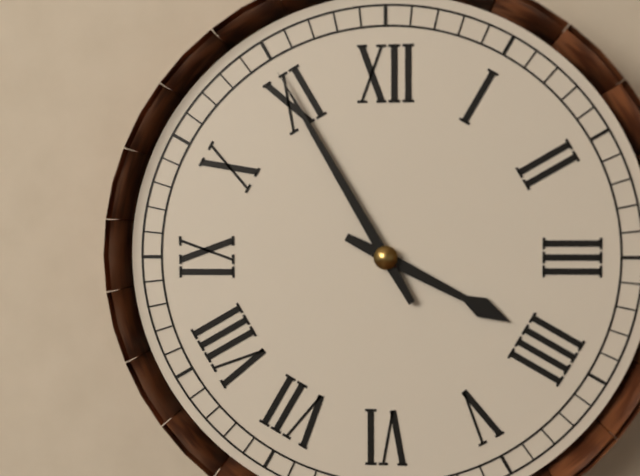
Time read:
3:55
